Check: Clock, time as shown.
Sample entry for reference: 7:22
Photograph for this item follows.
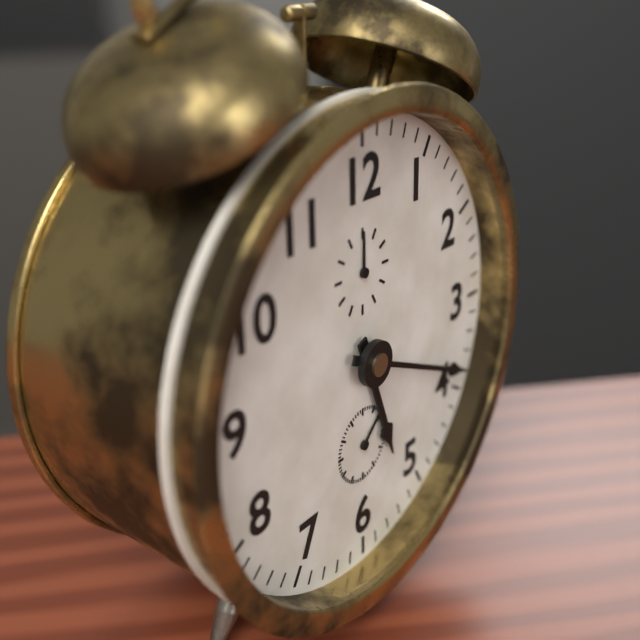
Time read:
5:19
